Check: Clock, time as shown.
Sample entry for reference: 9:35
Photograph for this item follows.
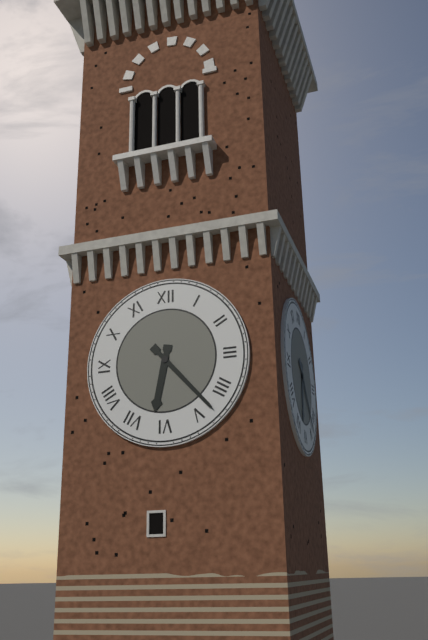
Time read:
6:23
